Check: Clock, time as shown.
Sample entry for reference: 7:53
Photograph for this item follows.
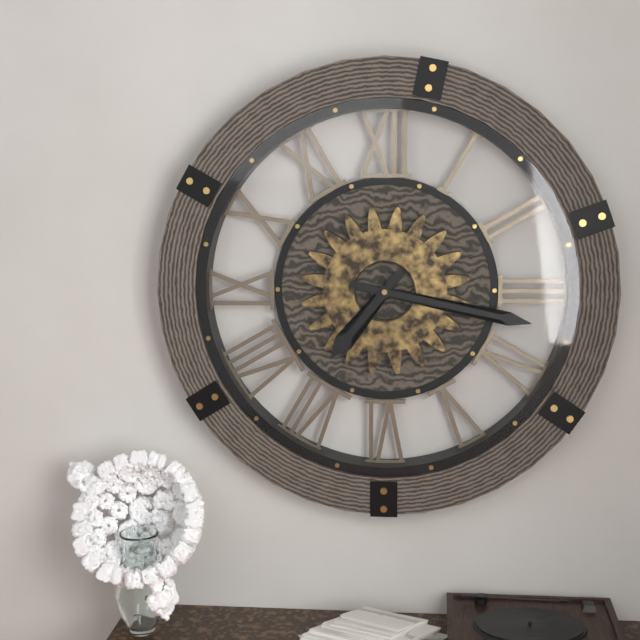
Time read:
7:17
